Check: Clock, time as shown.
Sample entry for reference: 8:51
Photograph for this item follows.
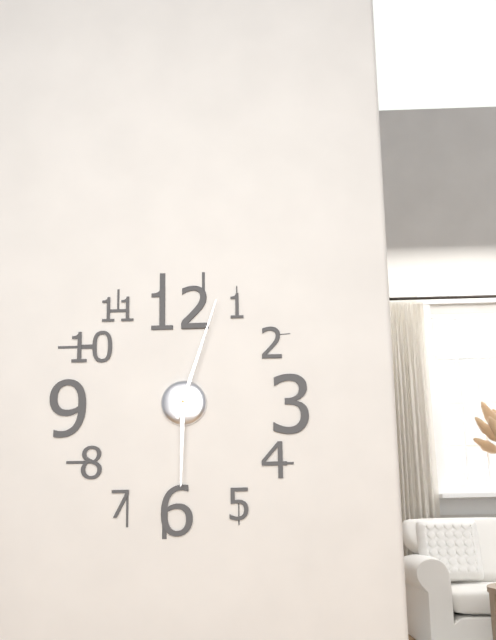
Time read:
6:03
